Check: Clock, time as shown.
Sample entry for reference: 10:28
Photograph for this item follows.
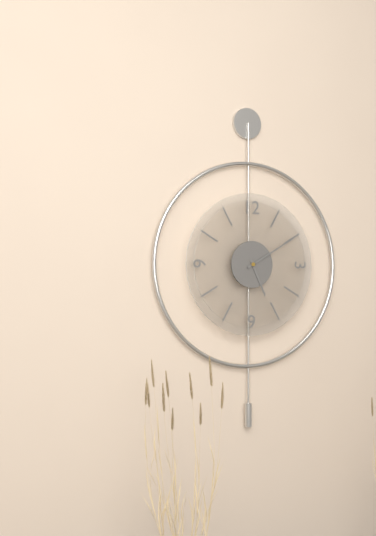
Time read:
5:10
